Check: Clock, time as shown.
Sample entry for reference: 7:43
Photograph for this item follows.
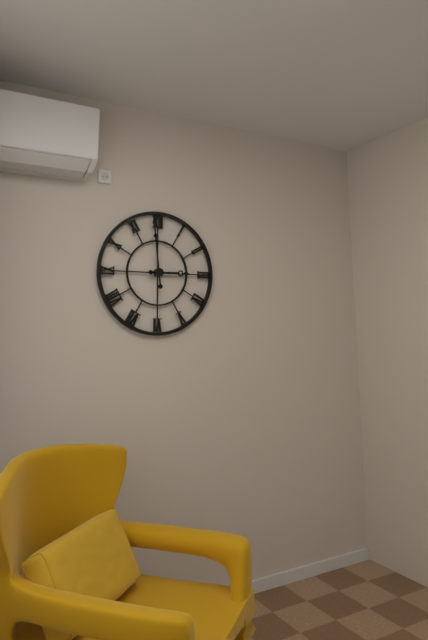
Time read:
2:59
